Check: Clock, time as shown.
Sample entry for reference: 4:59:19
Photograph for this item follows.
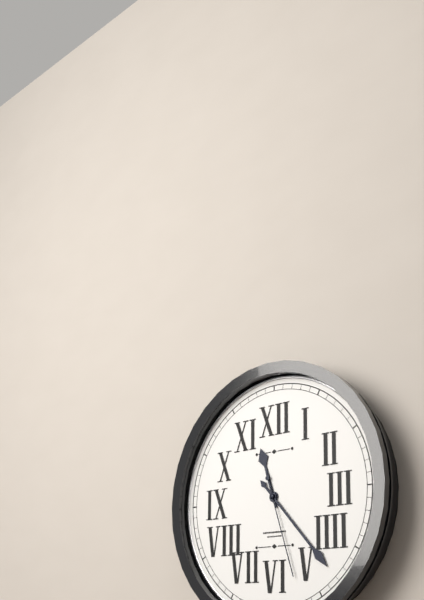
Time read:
11:23:27
